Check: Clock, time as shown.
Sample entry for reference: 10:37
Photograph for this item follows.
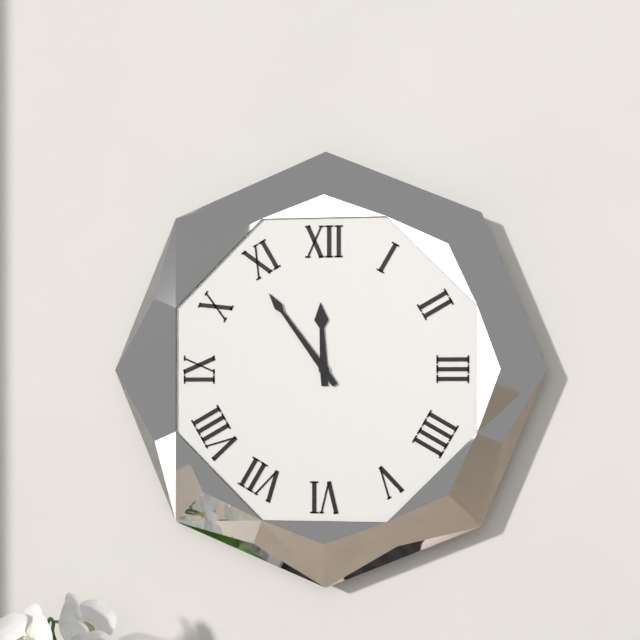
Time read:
11:54
